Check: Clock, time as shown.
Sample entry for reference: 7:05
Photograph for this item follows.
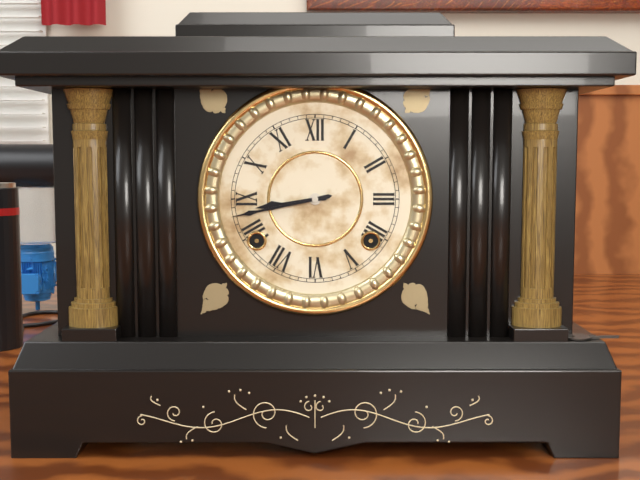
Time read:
8:43
